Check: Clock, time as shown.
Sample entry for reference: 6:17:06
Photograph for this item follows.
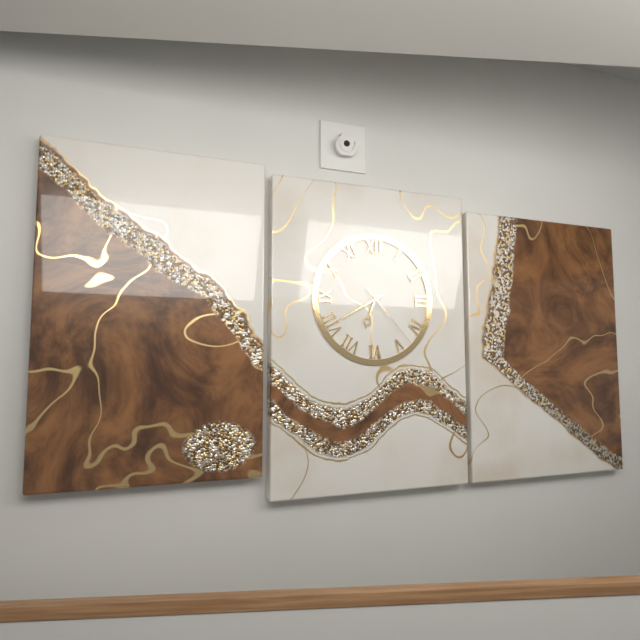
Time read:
6:40:23
